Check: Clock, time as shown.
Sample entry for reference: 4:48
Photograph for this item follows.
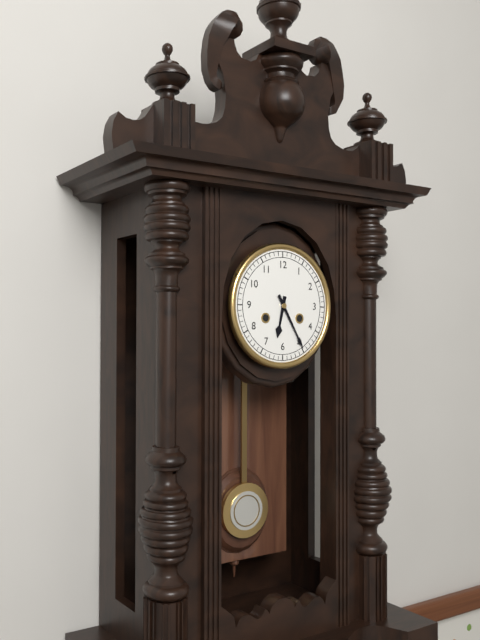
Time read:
6:25
